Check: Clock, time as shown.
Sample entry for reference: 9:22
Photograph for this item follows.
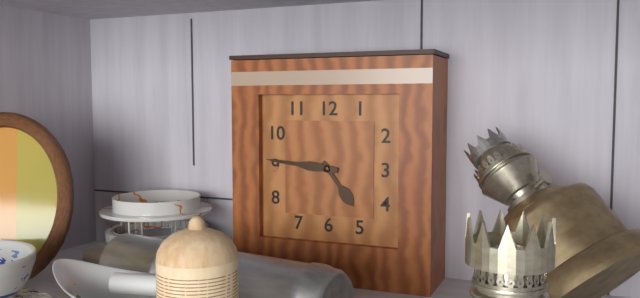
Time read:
4:46
